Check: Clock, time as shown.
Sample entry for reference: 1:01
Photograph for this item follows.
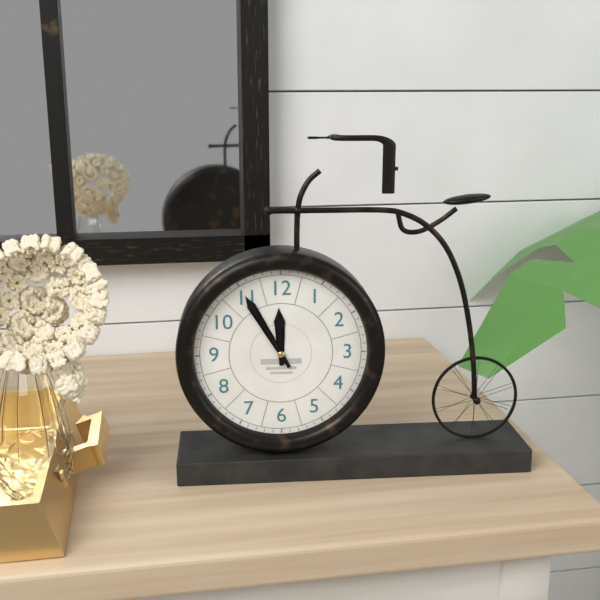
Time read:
11:55
